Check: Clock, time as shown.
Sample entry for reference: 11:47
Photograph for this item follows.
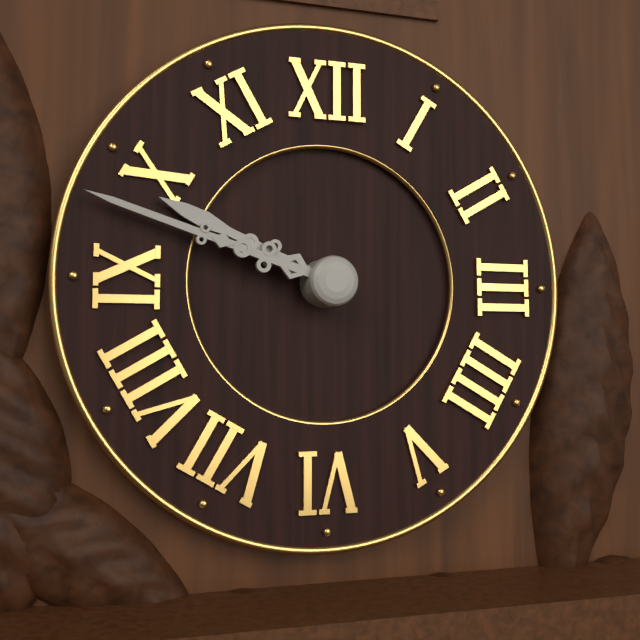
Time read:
9:48
